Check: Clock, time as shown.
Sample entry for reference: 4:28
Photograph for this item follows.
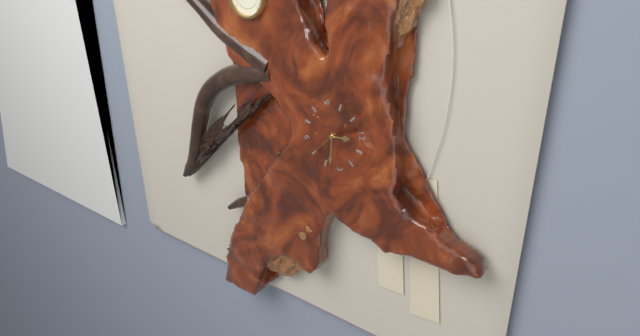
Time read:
12:18
